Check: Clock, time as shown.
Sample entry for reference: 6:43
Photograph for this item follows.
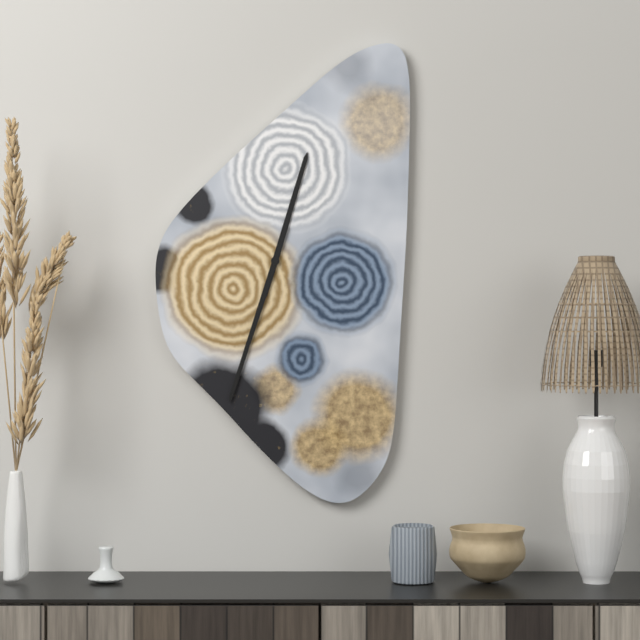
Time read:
12:33
